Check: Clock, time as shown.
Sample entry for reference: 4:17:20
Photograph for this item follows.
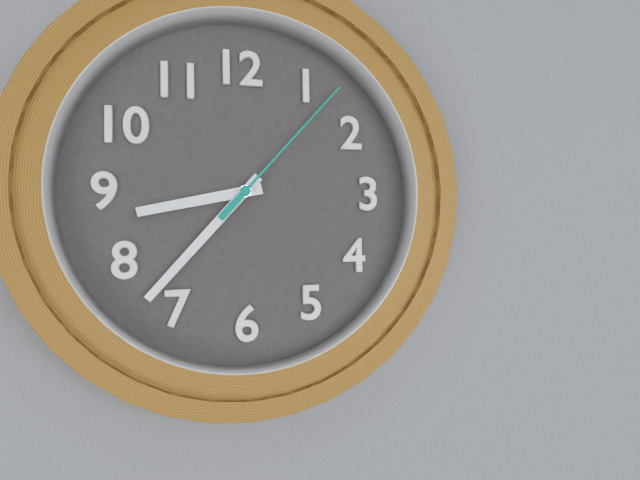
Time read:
8:37:07
